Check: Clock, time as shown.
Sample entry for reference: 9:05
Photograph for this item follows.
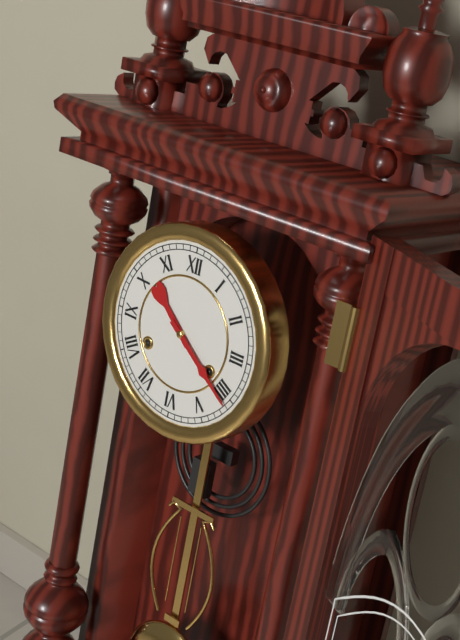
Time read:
10:21
